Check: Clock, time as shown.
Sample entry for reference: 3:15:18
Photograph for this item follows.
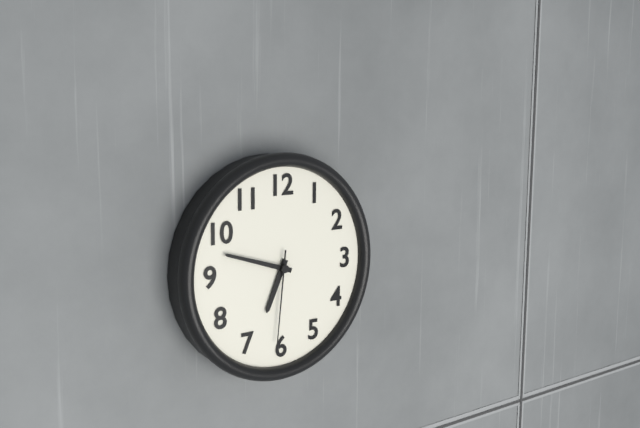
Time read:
6:48:31
